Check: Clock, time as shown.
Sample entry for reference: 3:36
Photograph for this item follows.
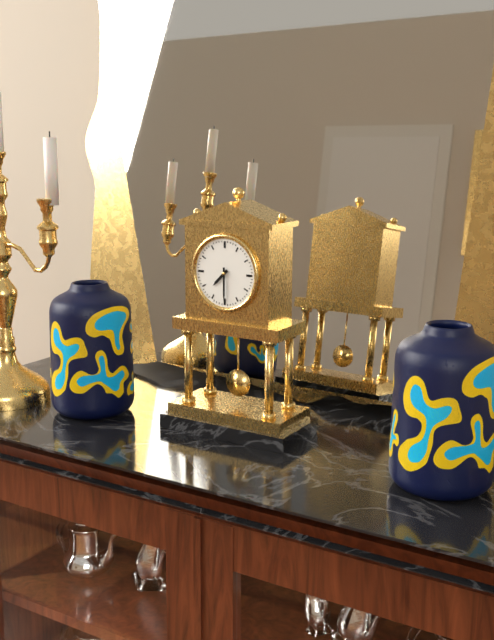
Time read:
7:30
